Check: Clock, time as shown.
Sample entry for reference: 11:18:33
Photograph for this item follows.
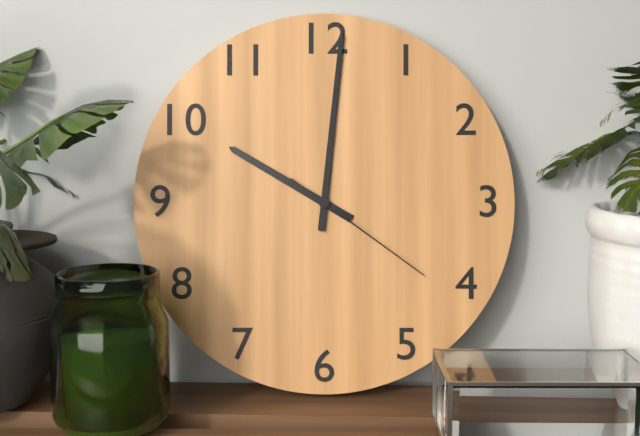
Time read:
10:01:21
